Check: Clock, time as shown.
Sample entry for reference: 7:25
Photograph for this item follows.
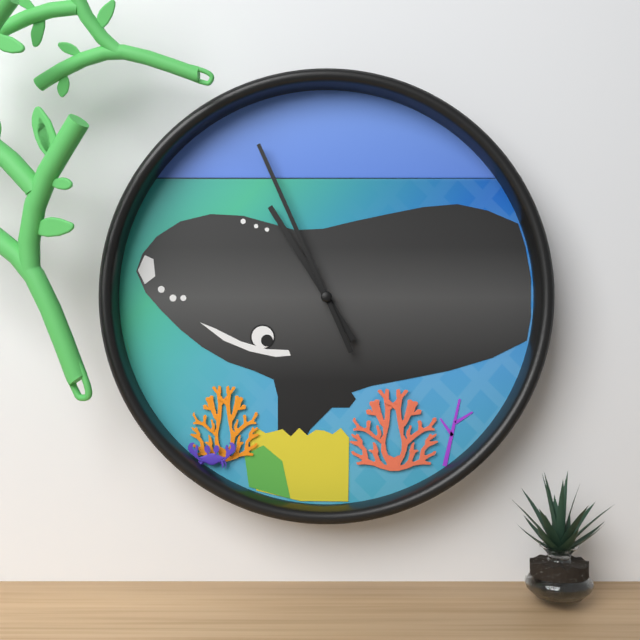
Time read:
10:56
